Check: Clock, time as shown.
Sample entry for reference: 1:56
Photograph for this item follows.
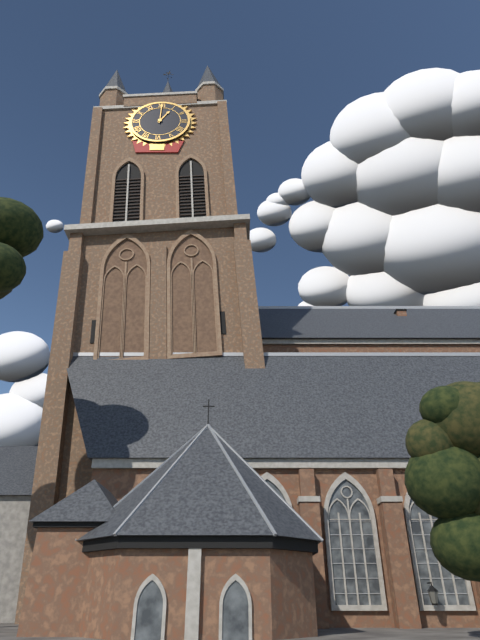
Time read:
1:00
